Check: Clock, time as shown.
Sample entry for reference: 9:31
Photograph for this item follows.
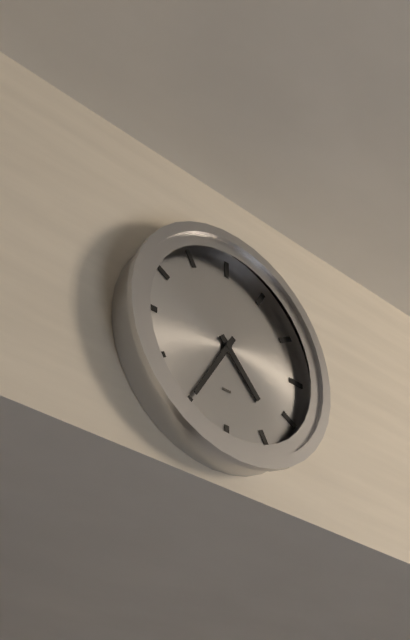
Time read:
4:35
